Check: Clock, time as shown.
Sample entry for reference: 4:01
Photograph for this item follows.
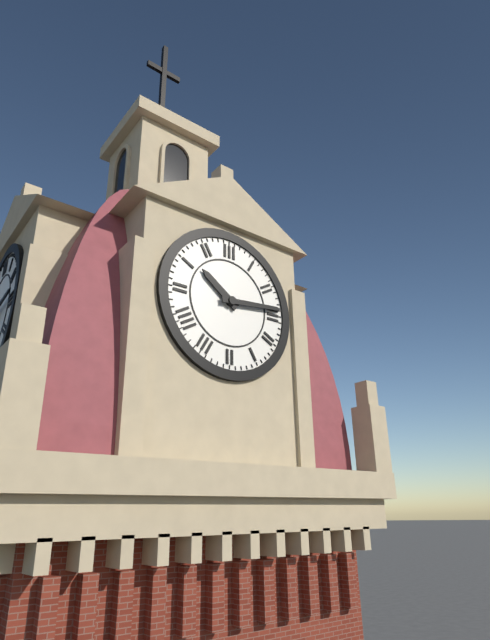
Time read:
10:14
